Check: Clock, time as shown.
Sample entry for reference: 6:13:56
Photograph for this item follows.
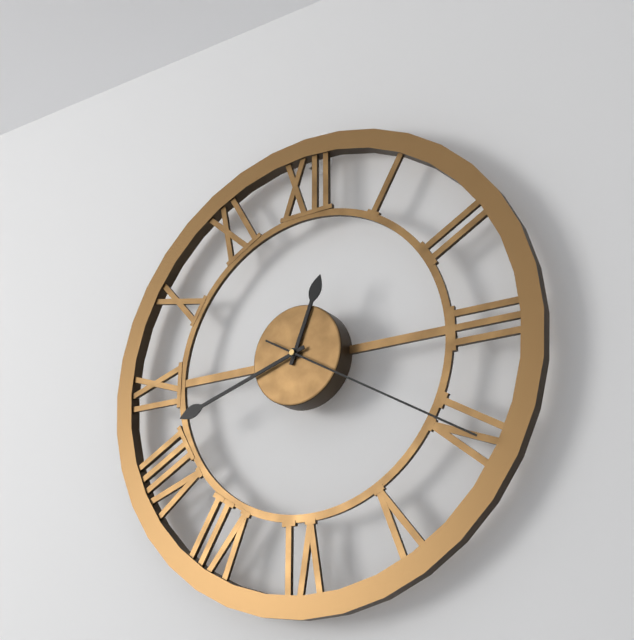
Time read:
12:42:20
